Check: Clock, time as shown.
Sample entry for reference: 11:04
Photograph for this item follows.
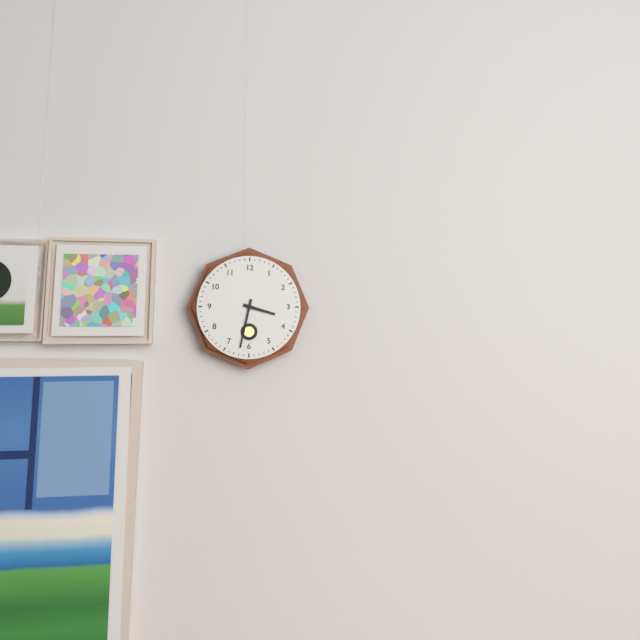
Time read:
3:32
